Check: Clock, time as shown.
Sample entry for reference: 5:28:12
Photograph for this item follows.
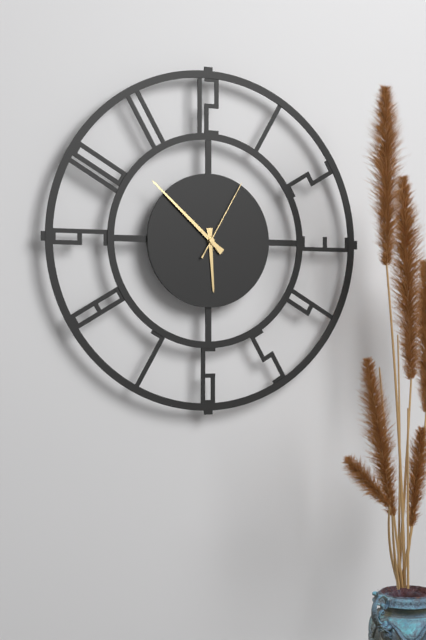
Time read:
5:52:05
